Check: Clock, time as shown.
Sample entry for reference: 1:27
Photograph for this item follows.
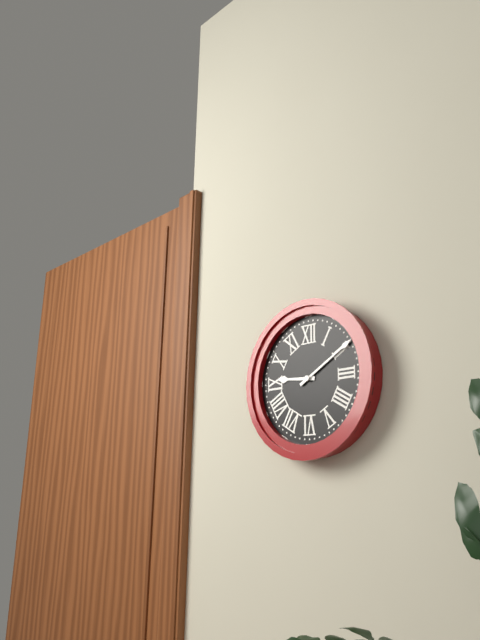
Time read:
9:10
